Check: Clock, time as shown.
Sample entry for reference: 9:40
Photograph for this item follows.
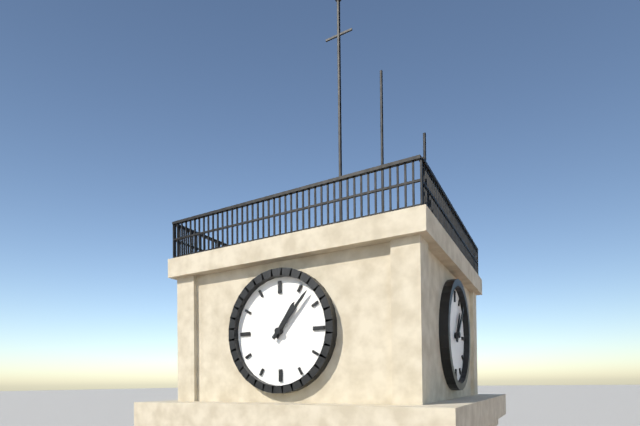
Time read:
1:07
